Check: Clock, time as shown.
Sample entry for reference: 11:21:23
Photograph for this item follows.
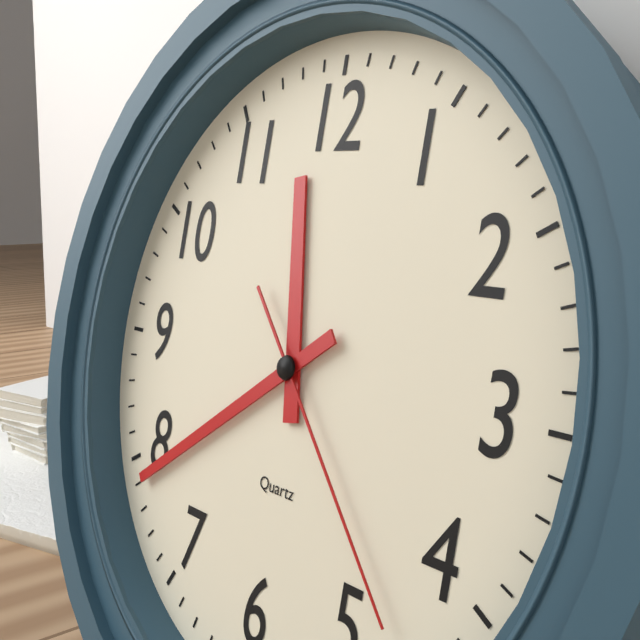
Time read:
11:39:23
